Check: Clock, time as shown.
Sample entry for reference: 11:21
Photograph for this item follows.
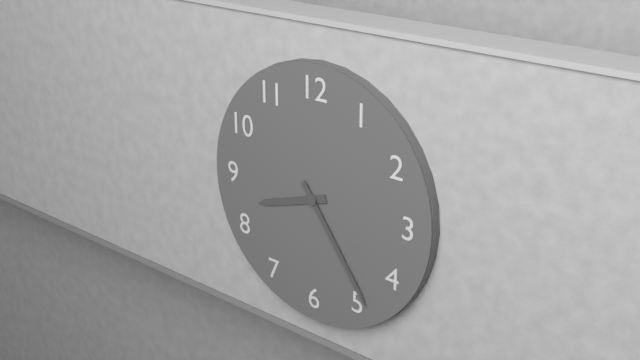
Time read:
8:24
